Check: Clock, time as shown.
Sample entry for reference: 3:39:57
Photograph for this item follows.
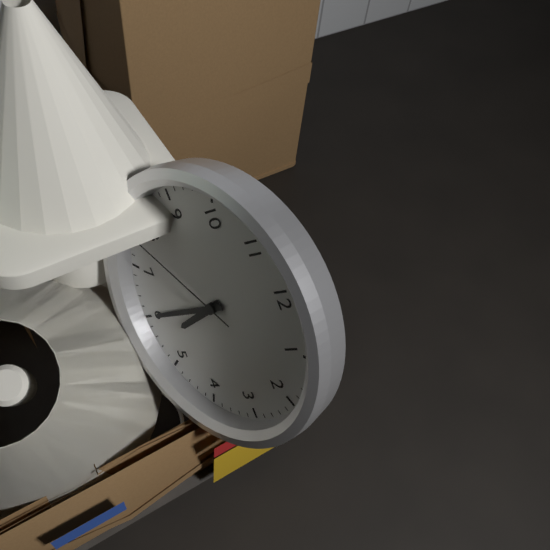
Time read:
5:30:38
